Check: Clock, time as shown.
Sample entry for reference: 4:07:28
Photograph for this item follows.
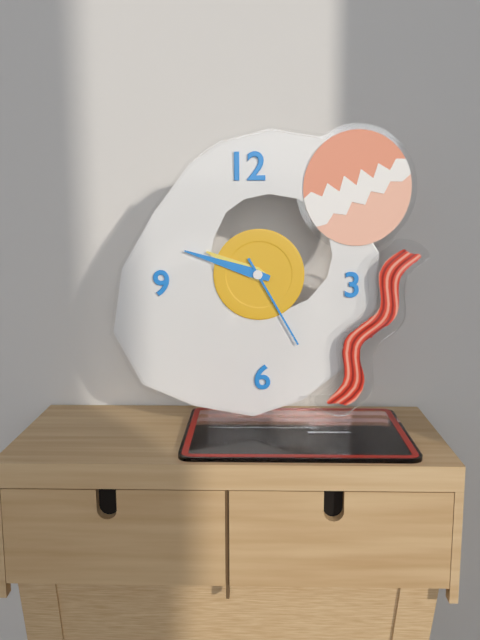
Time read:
9:48:25
